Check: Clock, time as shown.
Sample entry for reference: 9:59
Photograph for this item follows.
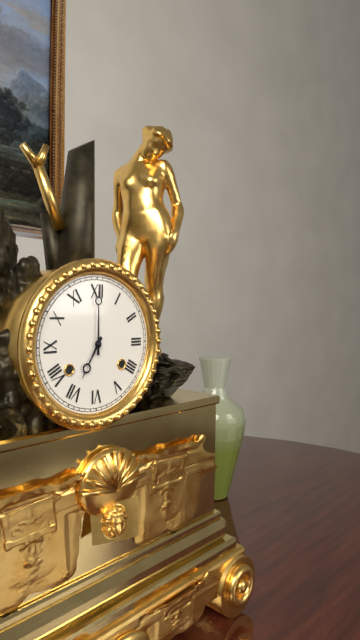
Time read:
7:00
